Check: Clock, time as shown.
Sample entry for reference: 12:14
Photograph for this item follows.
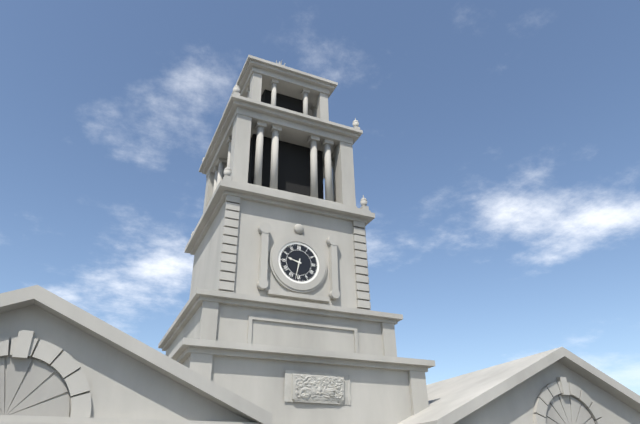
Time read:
9:32
